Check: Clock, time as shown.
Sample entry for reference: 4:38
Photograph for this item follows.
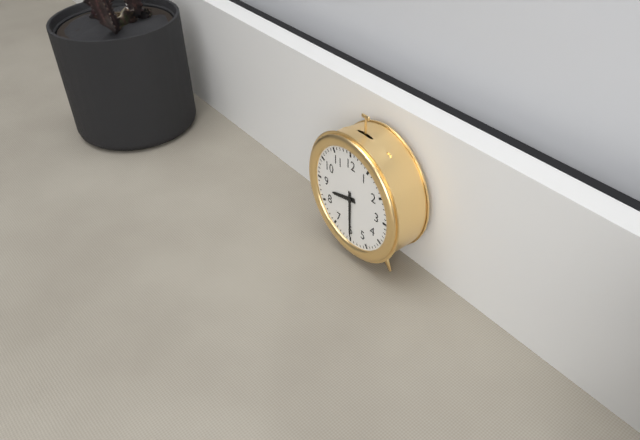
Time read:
8:30
